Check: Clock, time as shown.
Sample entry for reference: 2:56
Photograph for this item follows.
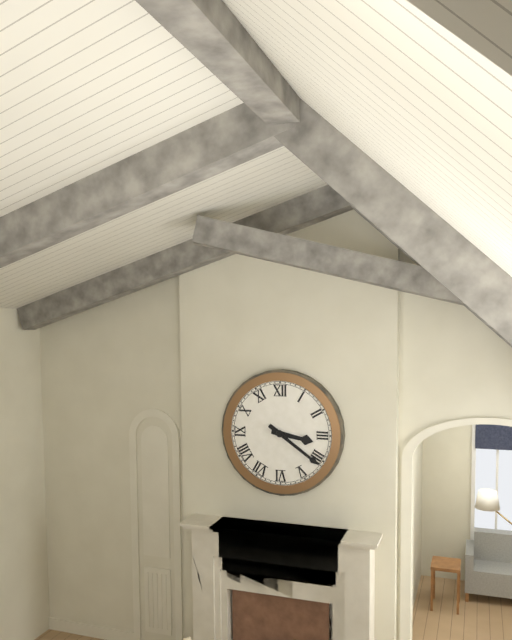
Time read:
3:21
